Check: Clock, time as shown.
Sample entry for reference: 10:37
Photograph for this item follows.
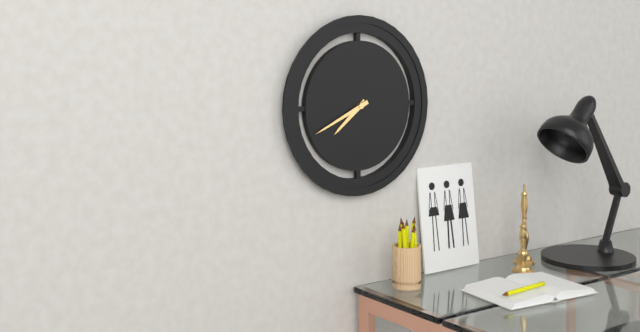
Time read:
7:41
